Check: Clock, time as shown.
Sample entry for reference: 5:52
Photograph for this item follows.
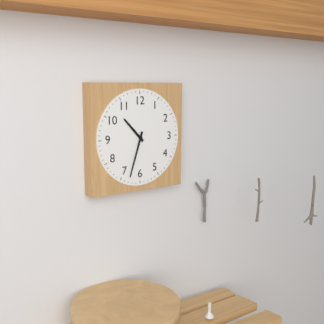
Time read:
10:33
